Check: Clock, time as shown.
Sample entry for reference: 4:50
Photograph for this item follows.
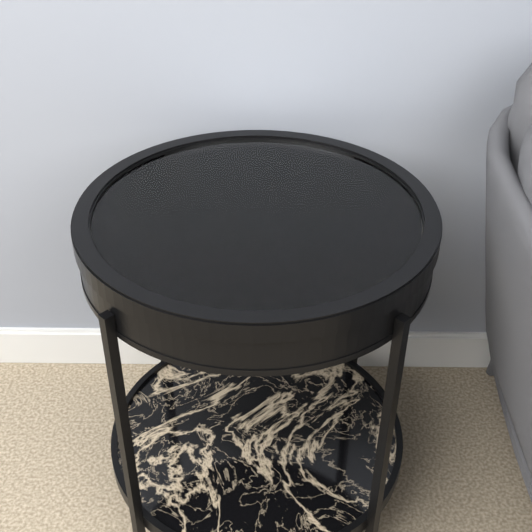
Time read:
1:51
